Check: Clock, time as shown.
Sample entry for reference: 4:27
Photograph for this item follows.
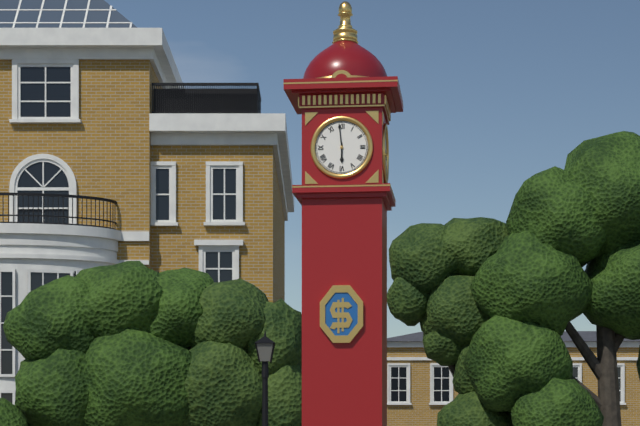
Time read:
5:59
